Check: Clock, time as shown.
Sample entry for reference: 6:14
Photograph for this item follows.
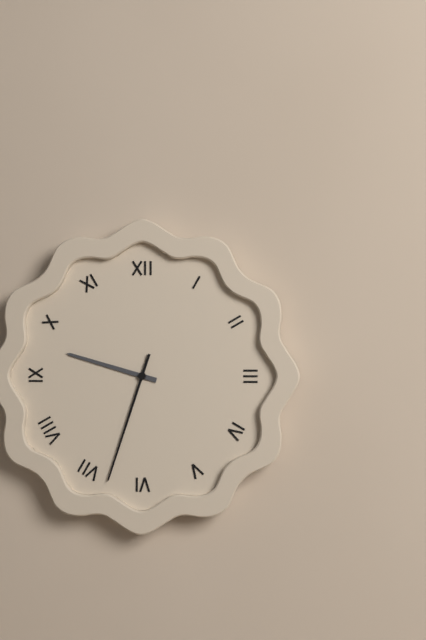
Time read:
9:33
